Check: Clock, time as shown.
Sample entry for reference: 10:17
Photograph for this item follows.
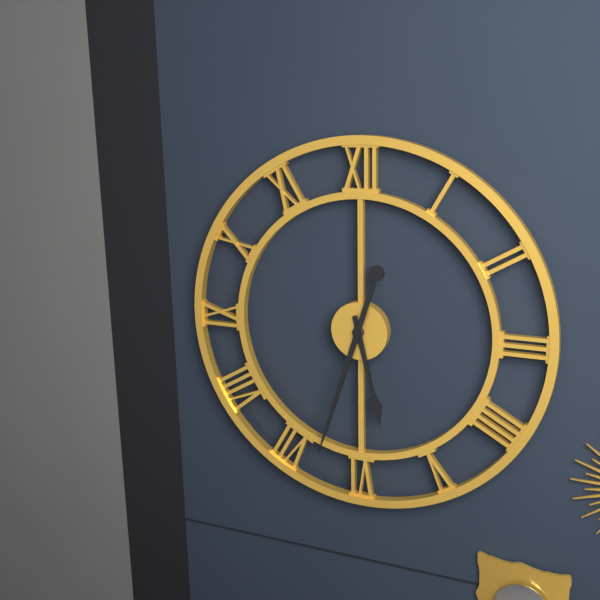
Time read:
5:33
